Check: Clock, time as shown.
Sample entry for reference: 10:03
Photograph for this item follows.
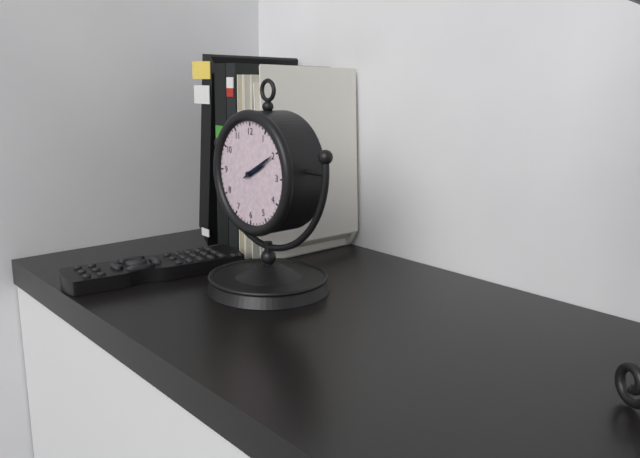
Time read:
2:10
